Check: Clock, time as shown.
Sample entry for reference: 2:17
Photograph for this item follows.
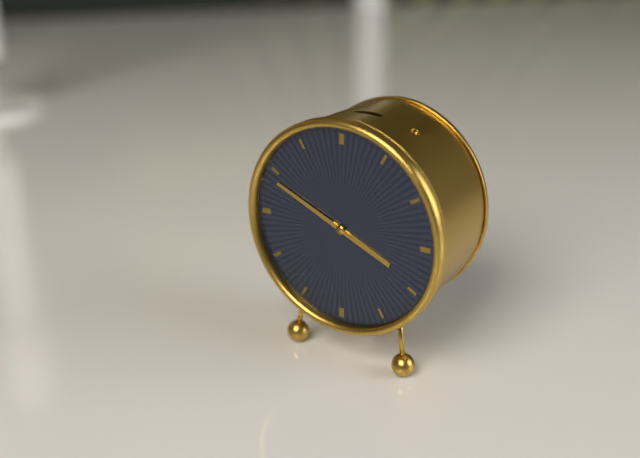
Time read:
3:49
